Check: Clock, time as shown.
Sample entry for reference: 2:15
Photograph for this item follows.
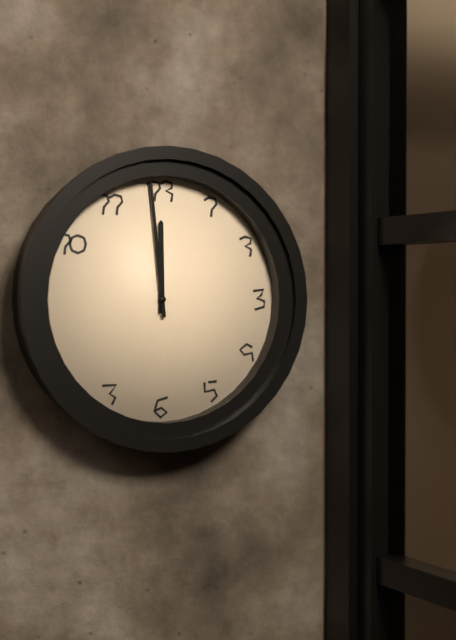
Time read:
11:59
